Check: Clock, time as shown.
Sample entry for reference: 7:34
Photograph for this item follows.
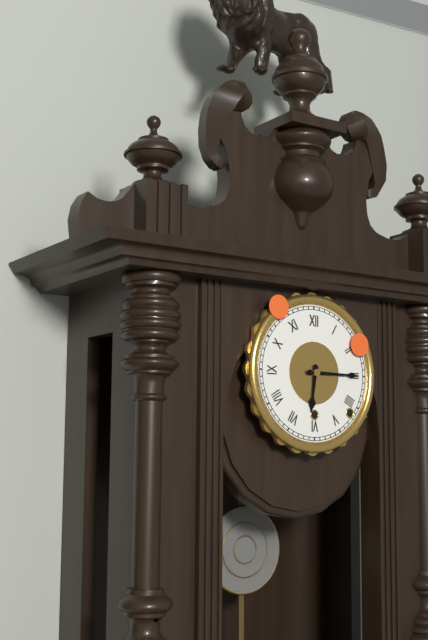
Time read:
6:15
